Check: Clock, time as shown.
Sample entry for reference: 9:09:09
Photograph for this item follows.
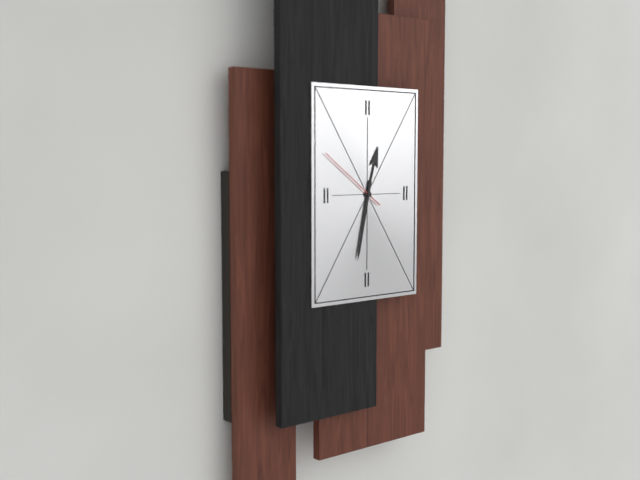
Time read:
12:32:51
